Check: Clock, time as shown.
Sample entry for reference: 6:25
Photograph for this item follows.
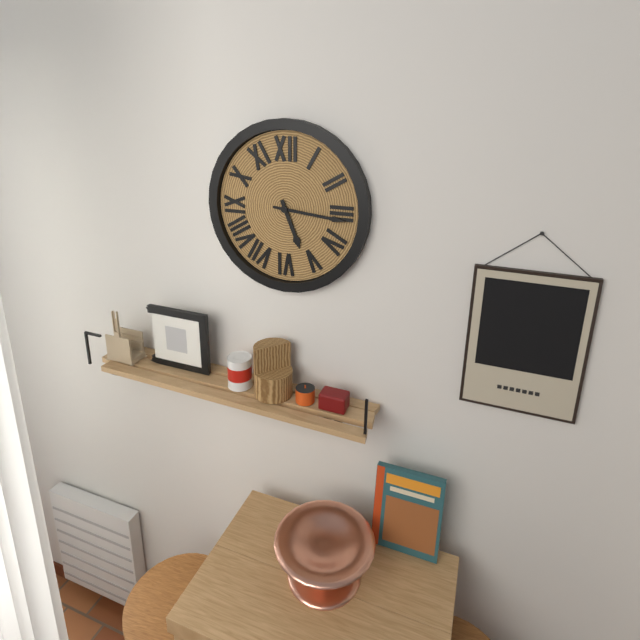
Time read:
5:16
